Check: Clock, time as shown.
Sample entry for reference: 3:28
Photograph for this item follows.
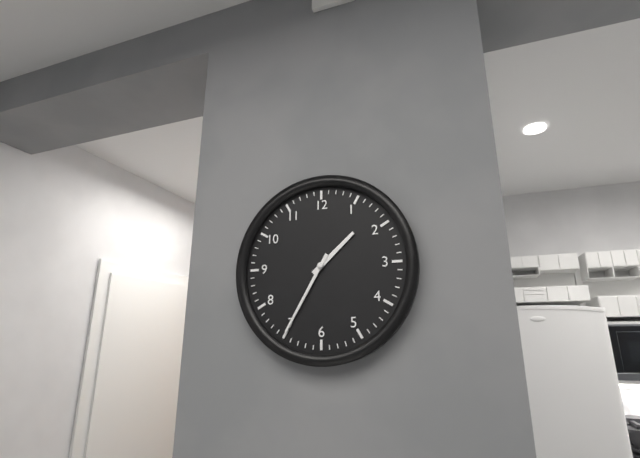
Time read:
1:35
